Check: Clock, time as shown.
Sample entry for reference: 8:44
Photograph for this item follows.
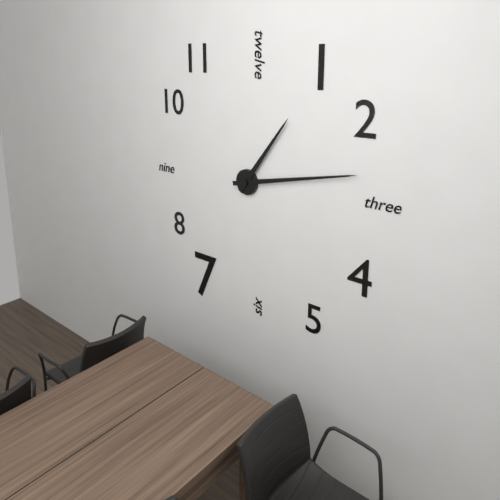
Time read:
1:13
